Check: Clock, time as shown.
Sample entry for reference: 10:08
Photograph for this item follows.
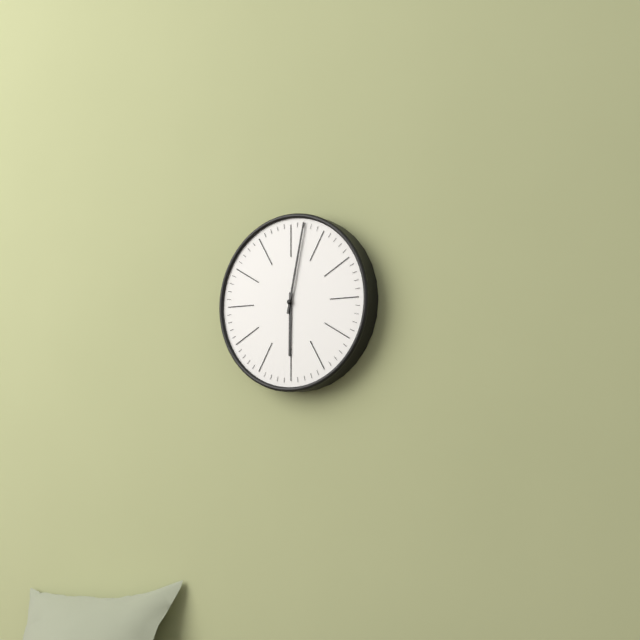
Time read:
6:02
